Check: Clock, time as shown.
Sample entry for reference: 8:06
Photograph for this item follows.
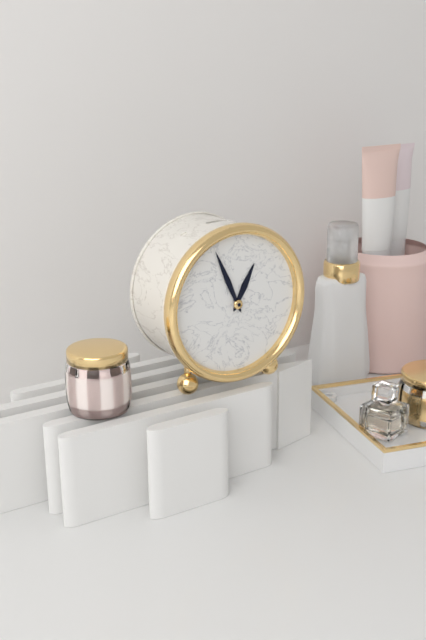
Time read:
12:56
